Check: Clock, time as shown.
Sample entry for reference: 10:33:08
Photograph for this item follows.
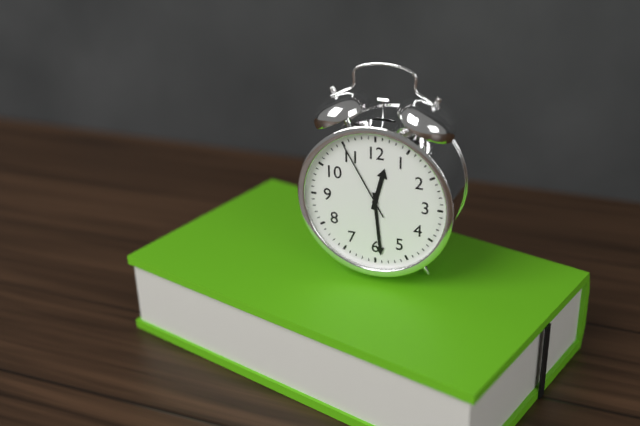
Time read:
12:29:55
